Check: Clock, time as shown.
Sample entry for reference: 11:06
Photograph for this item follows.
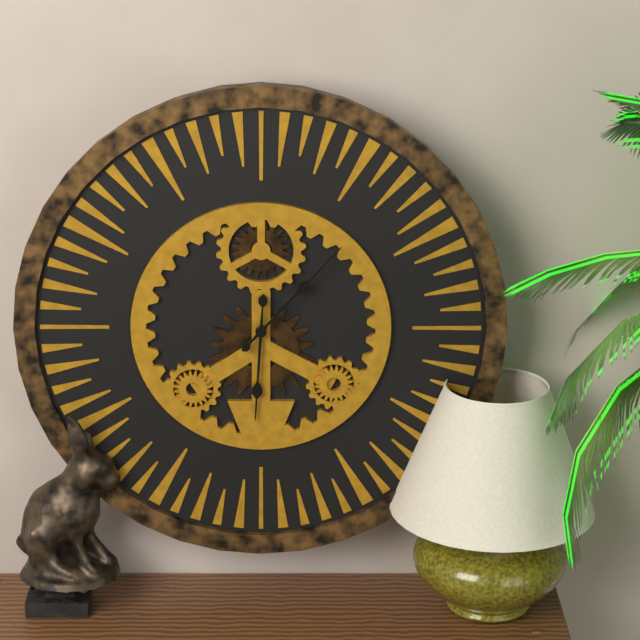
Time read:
6:07
